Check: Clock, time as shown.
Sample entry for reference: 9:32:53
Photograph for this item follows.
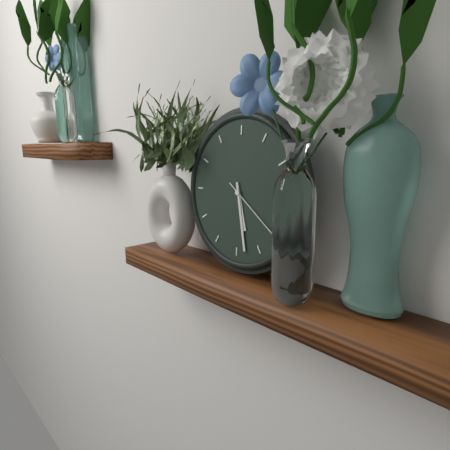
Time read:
5:28:21
